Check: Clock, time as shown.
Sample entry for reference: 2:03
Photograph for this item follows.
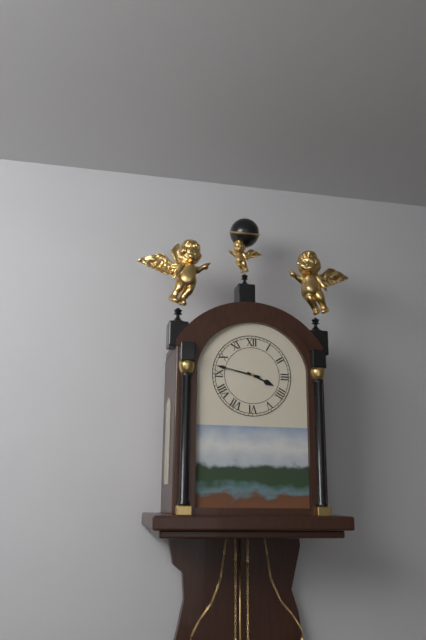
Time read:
3:47
